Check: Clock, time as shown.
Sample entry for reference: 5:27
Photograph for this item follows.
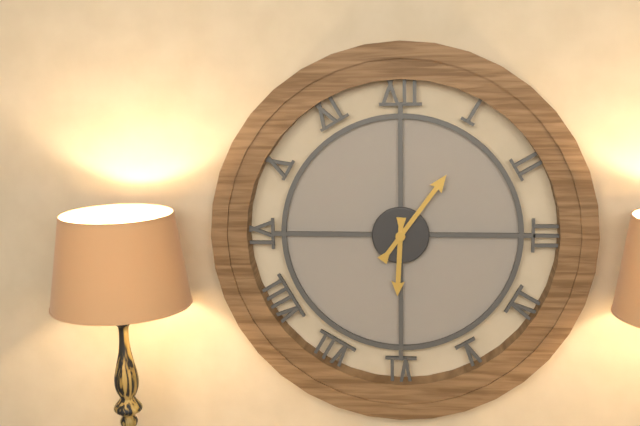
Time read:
6:06
